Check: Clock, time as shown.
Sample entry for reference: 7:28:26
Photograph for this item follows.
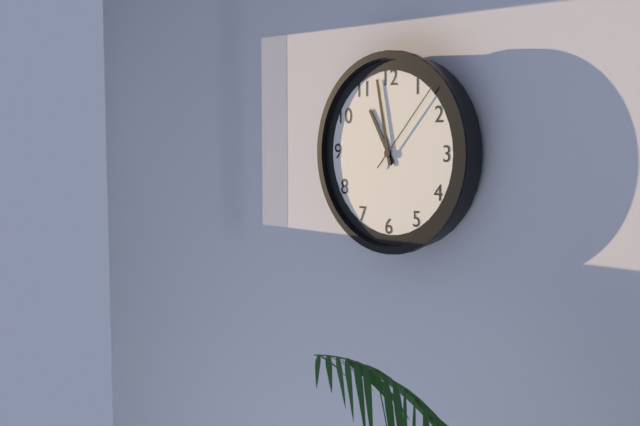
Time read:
10:58:07
